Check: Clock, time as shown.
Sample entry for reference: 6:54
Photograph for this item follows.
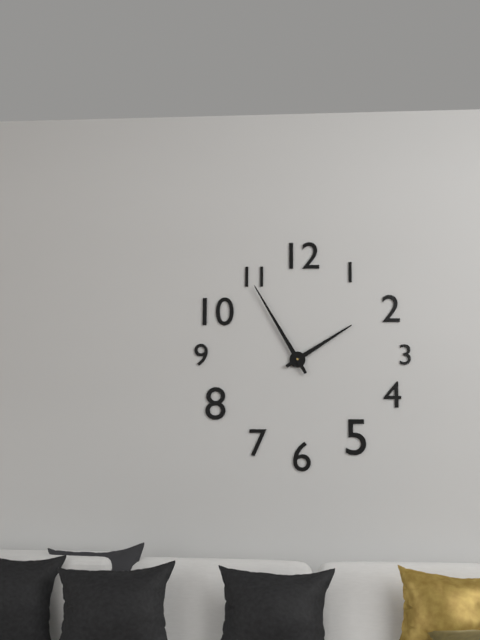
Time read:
1:55
